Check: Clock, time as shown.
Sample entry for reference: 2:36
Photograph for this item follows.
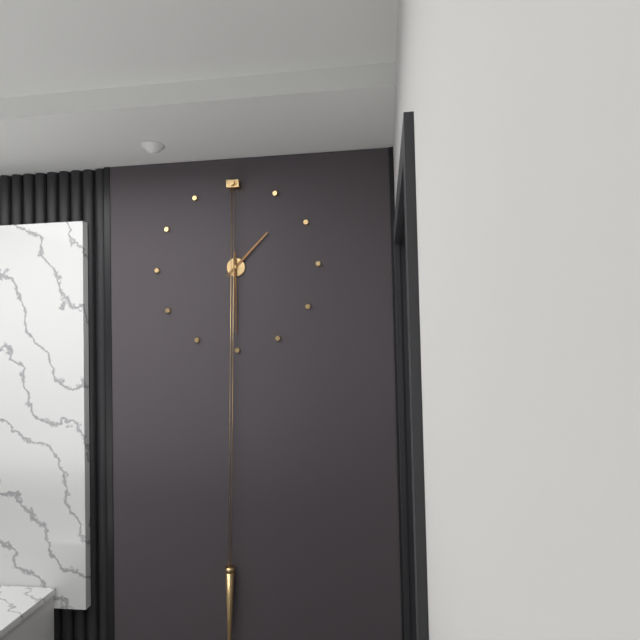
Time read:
1:30
